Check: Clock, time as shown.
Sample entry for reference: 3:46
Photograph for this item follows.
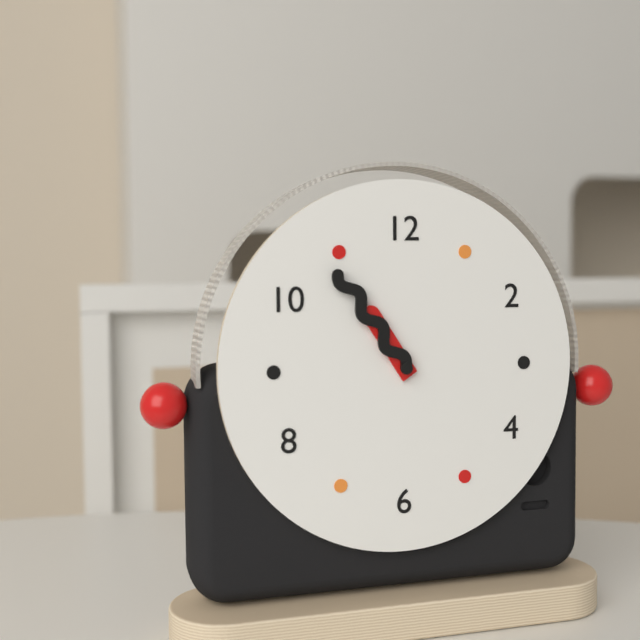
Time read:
10:54
